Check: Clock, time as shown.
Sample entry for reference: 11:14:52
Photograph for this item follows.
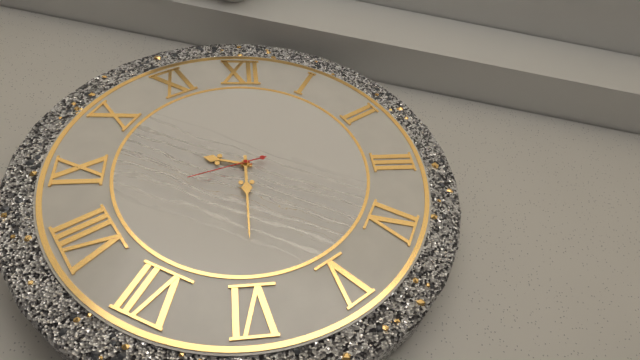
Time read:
9:30:42
